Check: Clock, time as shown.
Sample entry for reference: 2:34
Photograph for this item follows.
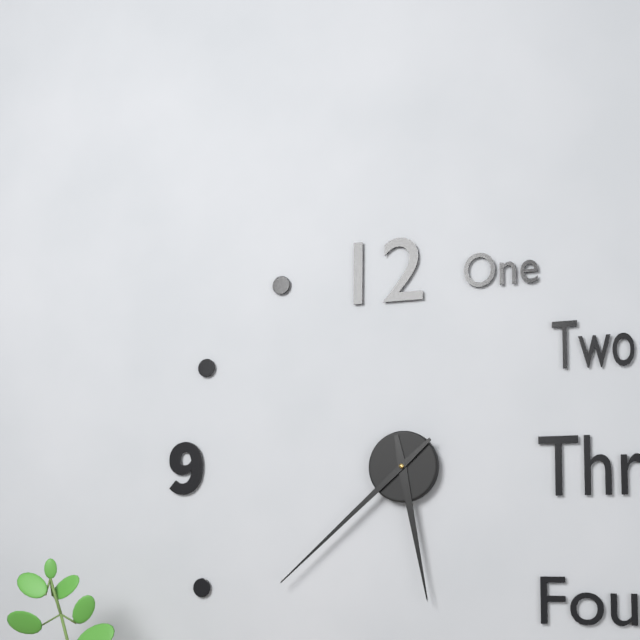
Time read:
5:38
